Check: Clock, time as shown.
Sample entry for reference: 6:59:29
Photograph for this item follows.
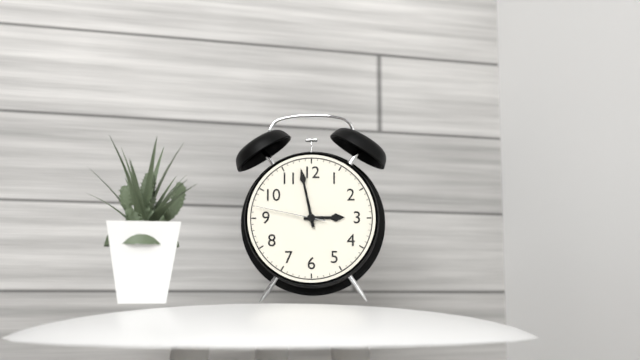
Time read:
2:58:47
